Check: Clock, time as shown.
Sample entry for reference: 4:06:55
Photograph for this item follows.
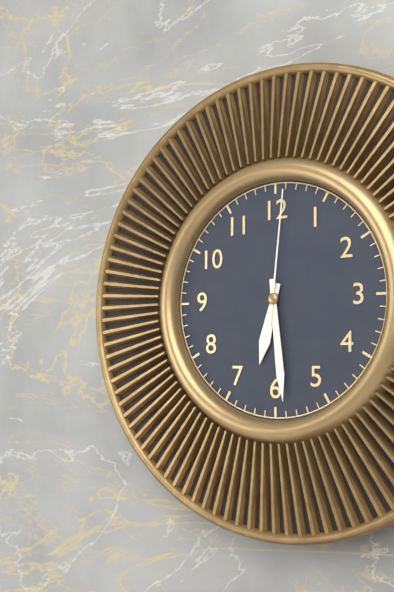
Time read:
6:29:01
